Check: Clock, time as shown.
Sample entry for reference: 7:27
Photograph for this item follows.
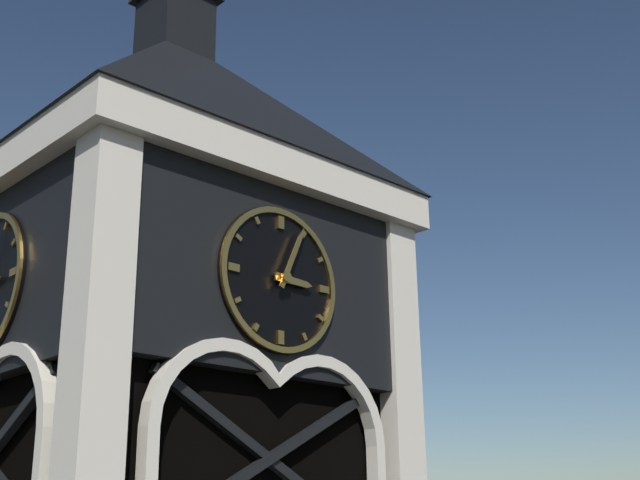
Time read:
3:04
